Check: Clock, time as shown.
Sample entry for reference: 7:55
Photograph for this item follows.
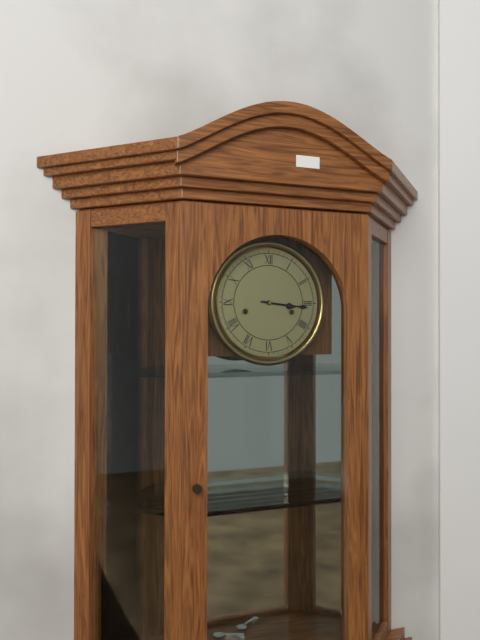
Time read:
3:16
